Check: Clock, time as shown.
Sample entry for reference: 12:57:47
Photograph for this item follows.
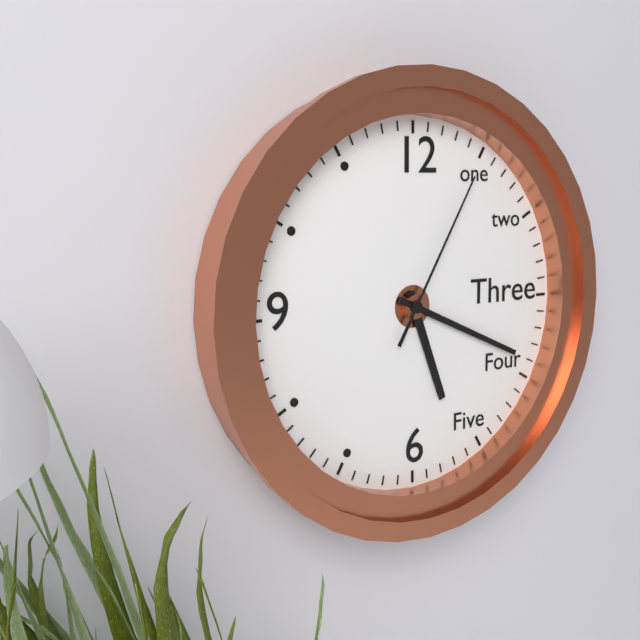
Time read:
5:19:05
